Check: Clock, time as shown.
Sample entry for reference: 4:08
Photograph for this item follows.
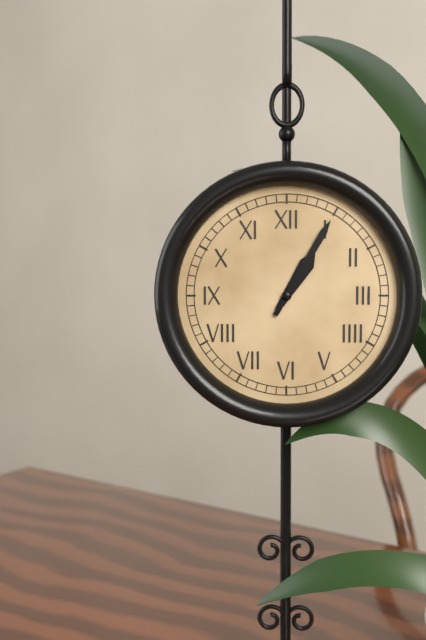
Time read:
1:05
